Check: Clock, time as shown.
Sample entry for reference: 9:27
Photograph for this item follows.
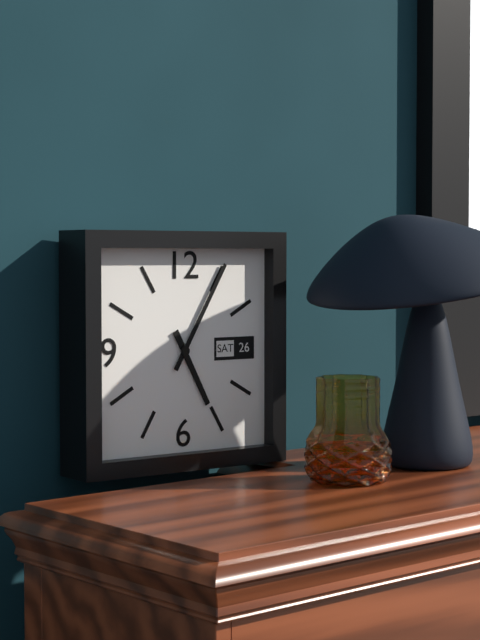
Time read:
5:05
